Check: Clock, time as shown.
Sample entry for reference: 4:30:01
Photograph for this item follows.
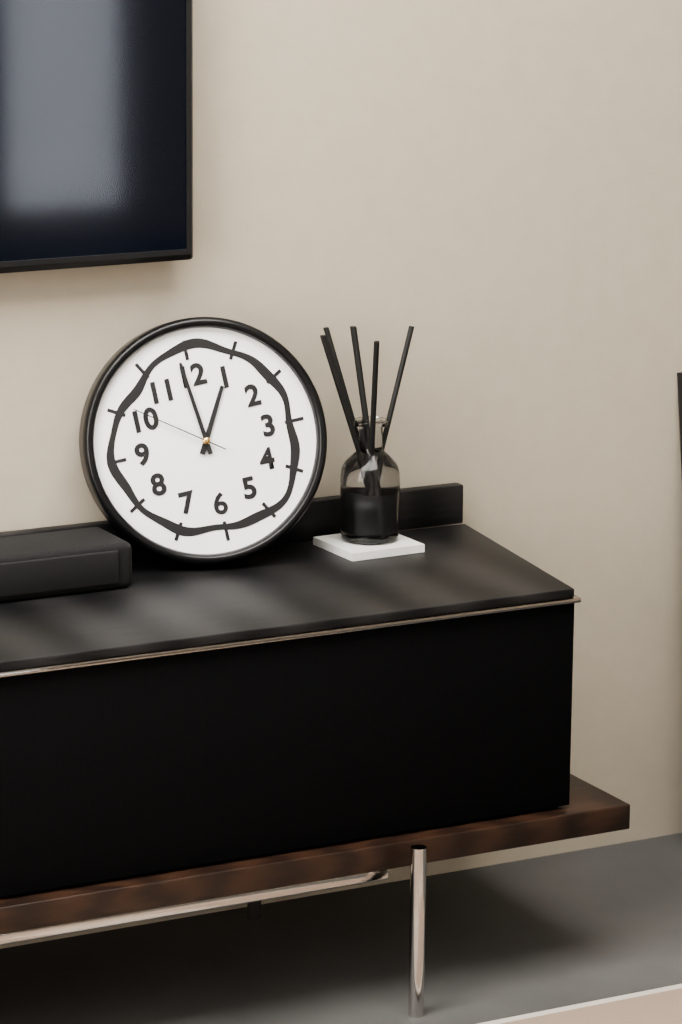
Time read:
12:59:51
